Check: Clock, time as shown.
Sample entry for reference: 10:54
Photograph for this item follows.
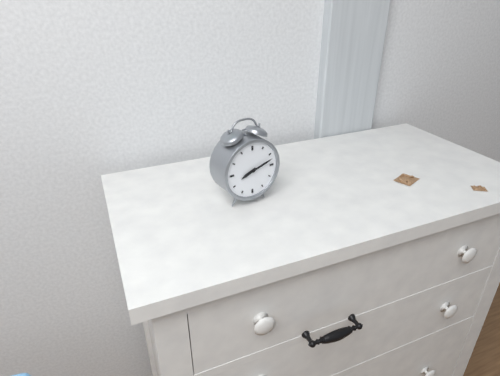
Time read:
8:12
